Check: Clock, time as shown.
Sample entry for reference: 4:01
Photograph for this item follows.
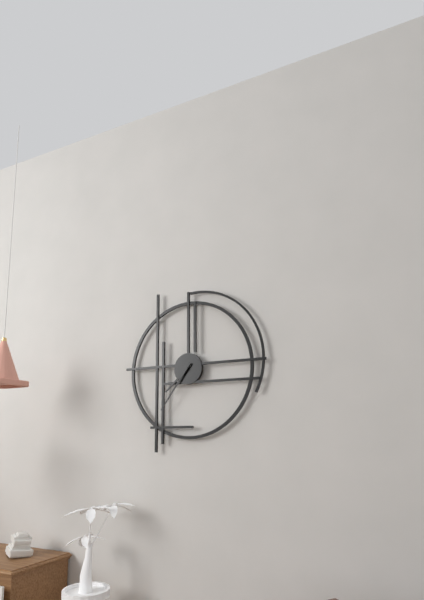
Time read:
7:36
